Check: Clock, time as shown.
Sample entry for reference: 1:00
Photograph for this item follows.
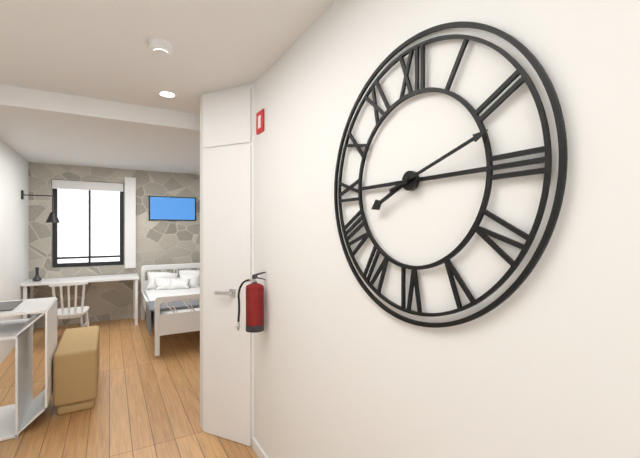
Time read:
8:12
